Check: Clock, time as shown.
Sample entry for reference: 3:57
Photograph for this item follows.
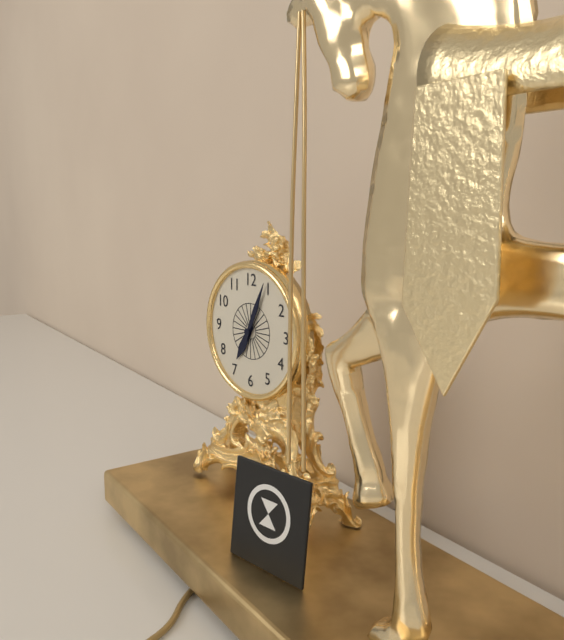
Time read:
7:04
